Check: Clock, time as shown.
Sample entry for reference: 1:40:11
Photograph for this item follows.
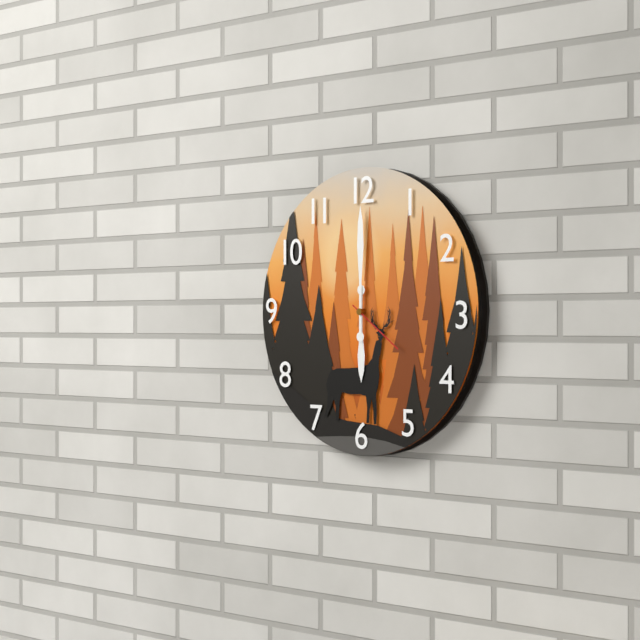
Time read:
6:00:21
